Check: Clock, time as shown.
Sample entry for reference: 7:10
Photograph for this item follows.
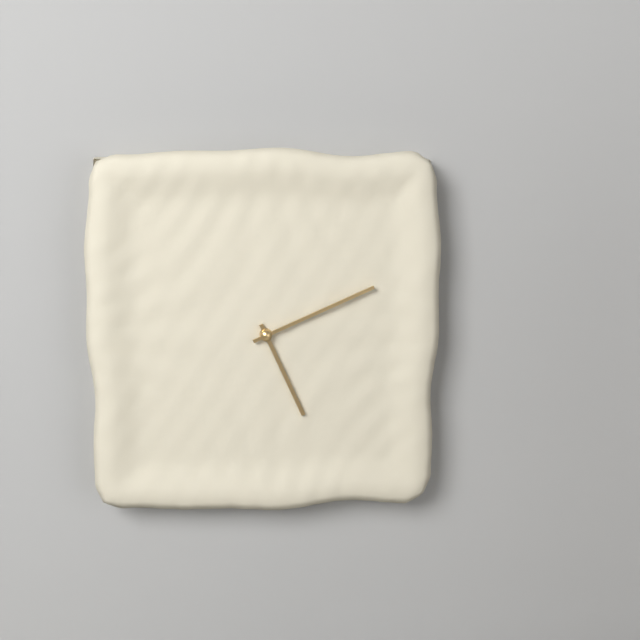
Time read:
5:11
